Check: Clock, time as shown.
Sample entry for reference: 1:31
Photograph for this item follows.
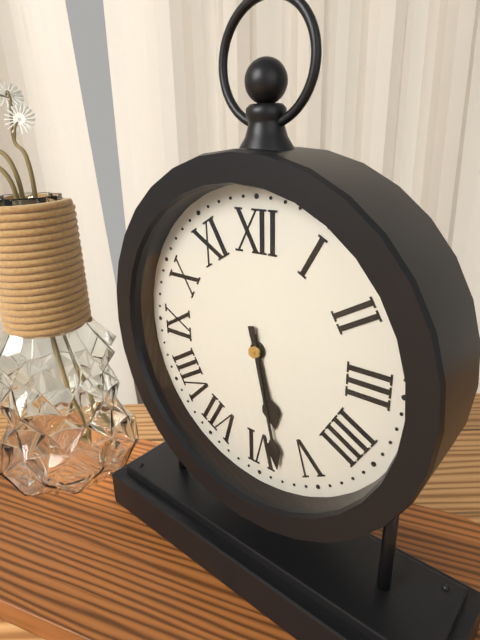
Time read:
5:28
